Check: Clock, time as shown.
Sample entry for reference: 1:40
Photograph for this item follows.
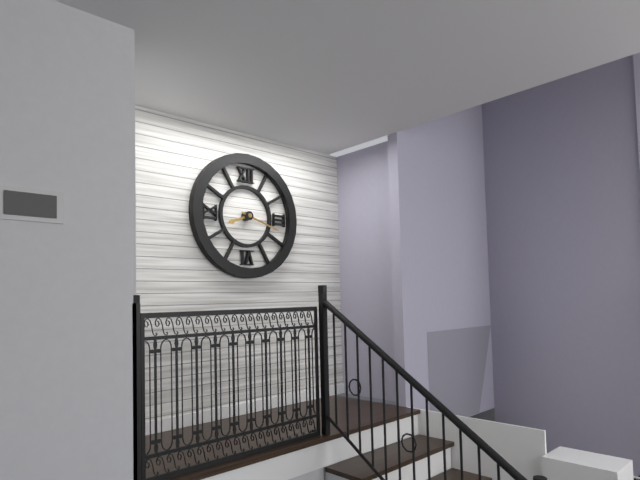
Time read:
8:18
